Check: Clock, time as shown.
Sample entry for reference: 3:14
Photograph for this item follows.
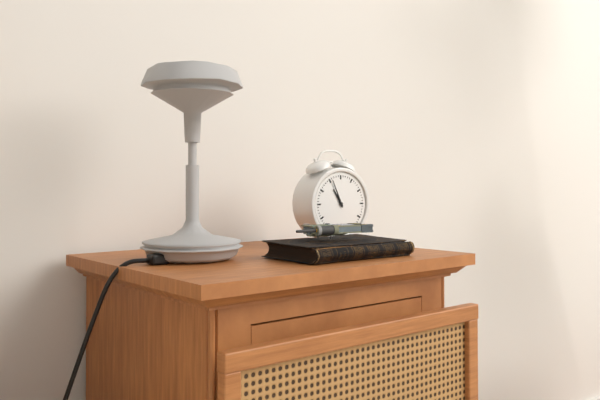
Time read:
10:56
